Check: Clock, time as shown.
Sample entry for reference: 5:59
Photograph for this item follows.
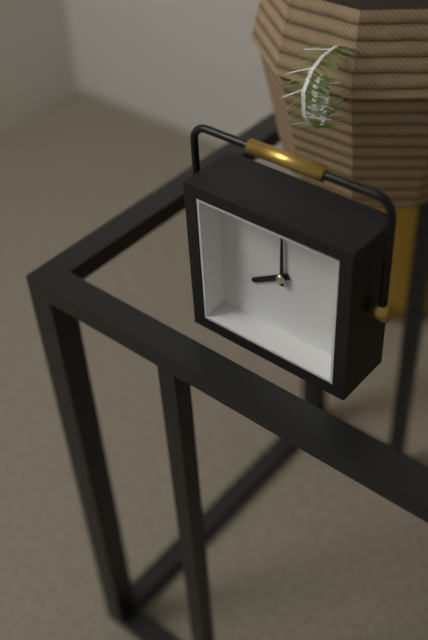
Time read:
8:00
